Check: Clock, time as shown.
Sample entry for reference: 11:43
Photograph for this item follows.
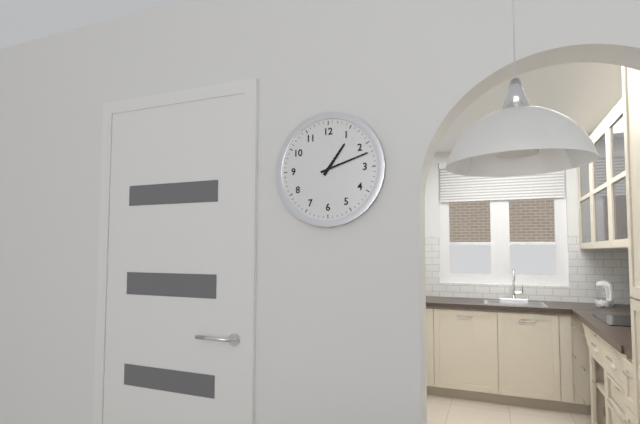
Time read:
1:12
